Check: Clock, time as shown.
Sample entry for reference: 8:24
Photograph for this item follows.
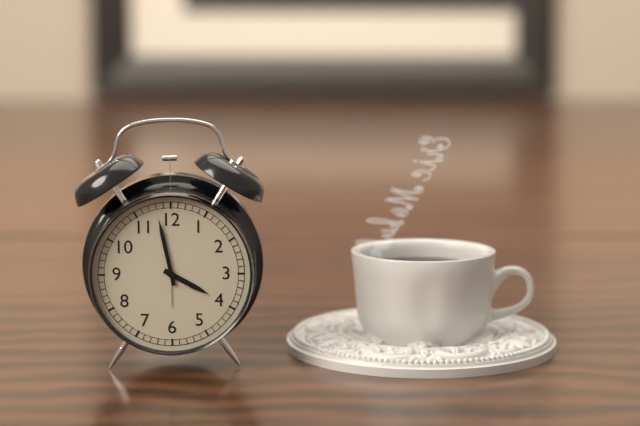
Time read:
3:58
